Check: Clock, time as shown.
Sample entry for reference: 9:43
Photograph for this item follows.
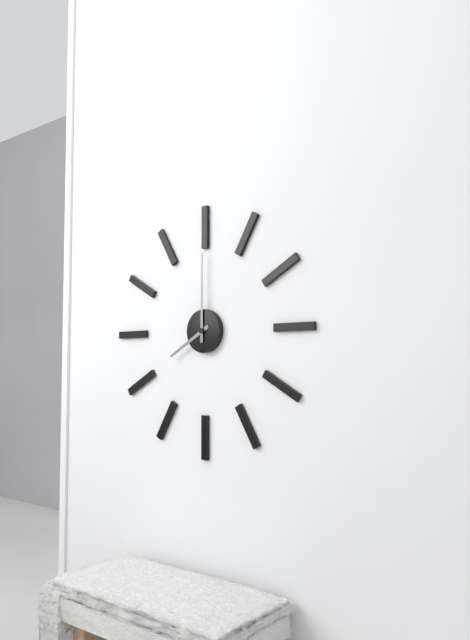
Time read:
8:00
